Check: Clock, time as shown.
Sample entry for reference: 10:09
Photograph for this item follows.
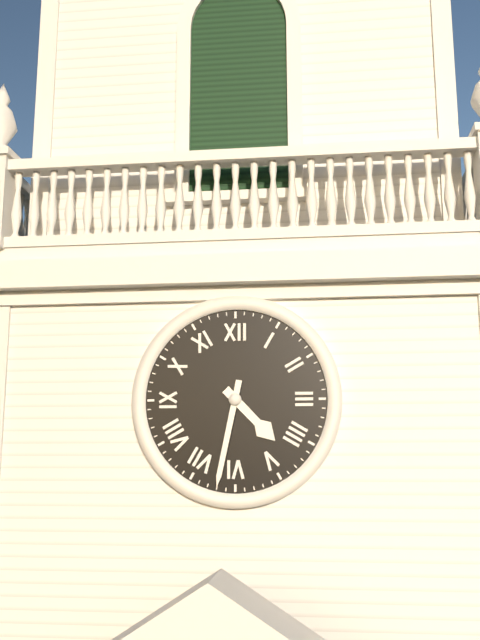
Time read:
4:32
